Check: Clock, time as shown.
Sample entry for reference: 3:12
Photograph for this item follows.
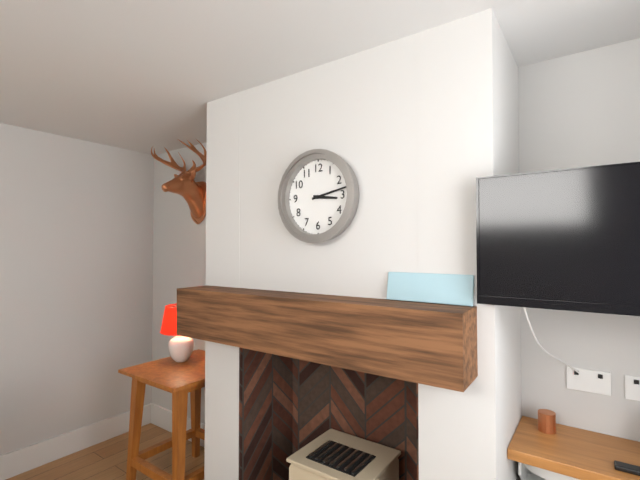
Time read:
3:13
